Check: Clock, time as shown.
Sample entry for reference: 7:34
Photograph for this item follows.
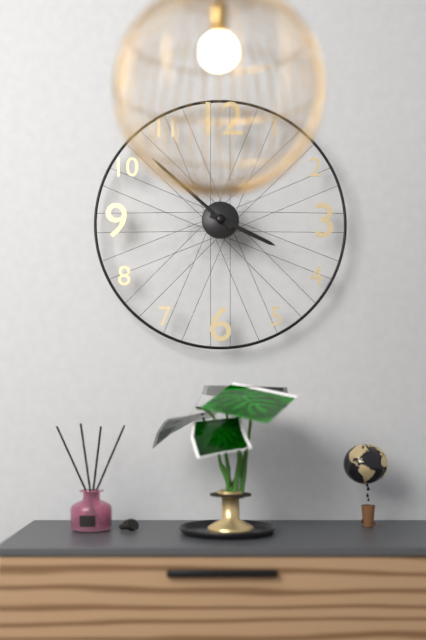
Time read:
3:52
